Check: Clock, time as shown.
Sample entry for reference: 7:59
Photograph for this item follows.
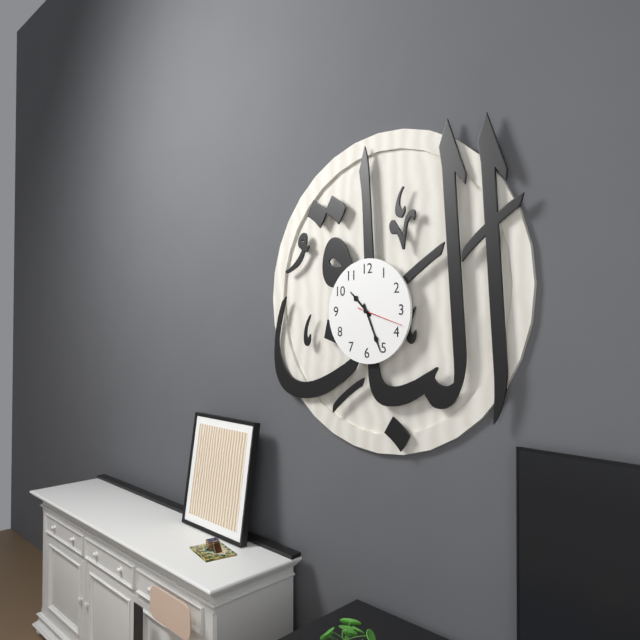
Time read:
10:26
